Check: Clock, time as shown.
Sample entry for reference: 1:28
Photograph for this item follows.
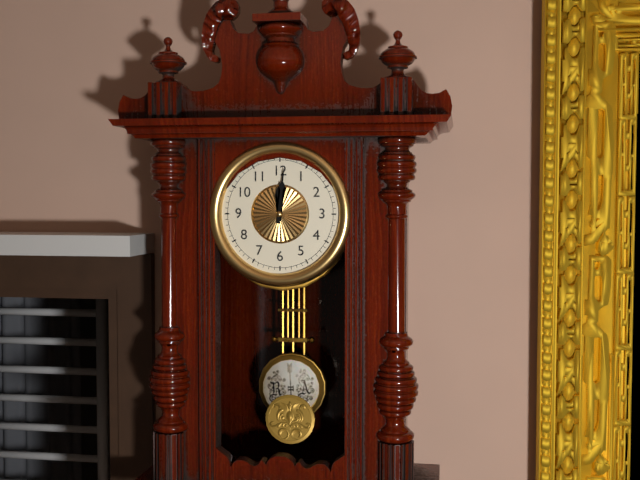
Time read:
12:01
